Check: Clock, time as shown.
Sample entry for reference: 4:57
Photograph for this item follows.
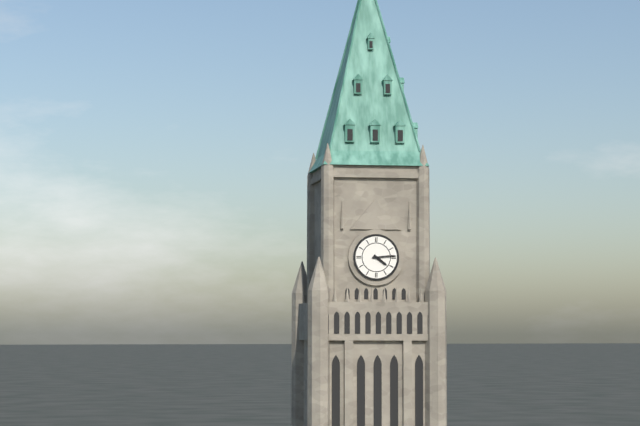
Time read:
4:14
